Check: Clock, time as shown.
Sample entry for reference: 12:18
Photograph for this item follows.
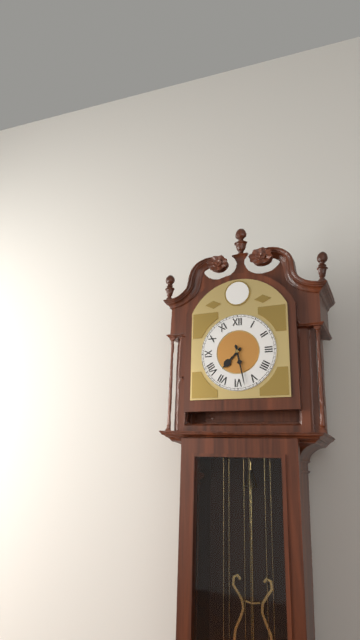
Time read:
7:28
